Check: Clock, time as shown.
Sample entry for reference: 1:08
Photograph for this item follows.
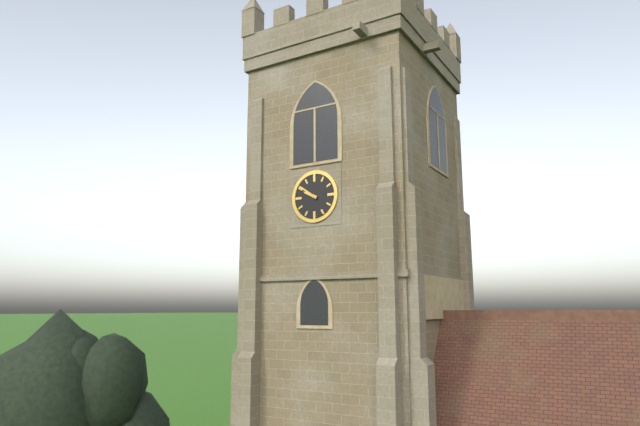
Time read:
9:51
